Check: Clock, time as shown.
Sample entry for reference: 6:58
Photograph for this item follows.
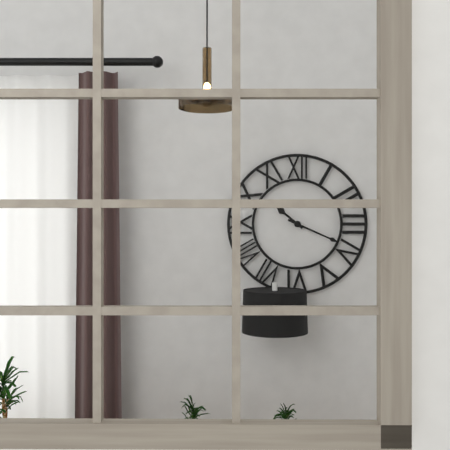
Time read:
10:19
